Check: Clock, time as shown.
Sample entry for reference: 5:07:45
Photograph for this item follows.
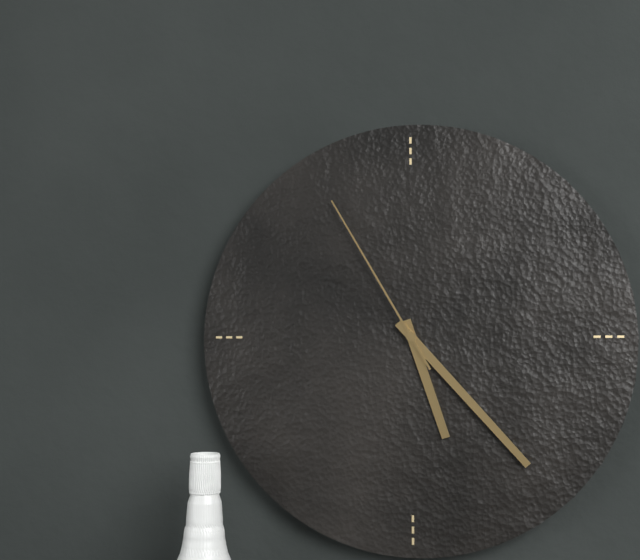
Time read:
5:23:55
